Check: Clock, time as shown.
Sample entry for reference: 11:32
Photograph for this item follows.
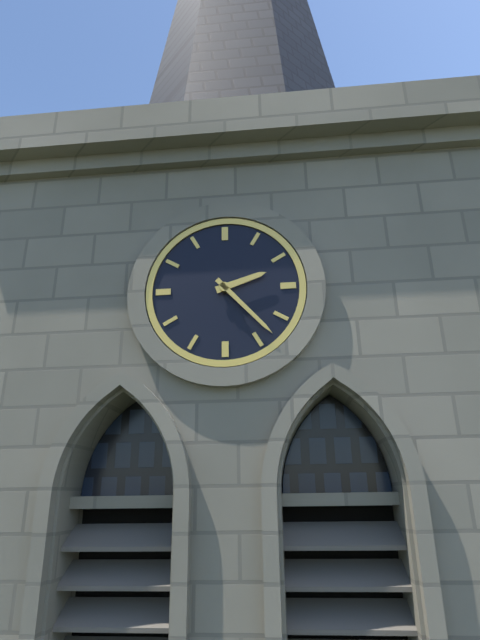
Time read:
2:23
